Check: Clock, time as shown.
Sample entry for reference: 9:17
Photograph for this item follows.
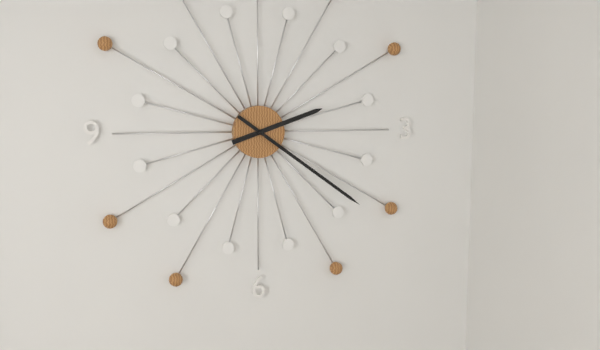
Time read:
2:21
